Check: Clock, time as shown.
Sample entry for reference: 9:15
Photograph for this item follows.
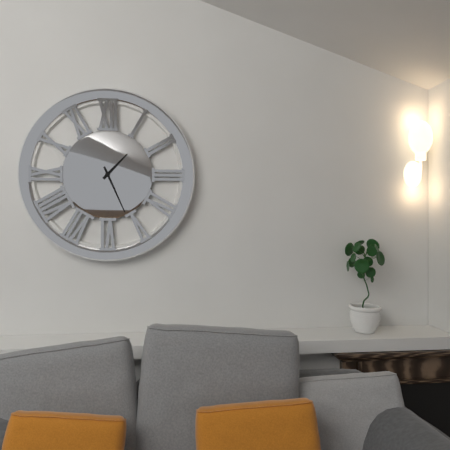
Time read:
1:26
